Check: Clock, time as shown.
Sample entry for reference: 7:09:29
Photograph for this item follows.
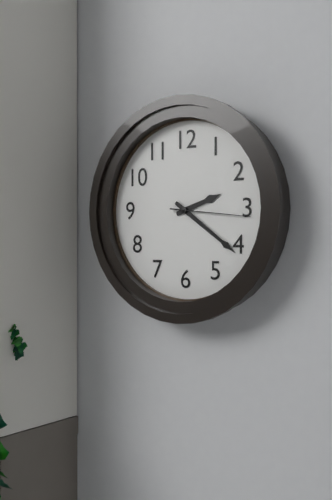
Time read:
2:21:16
